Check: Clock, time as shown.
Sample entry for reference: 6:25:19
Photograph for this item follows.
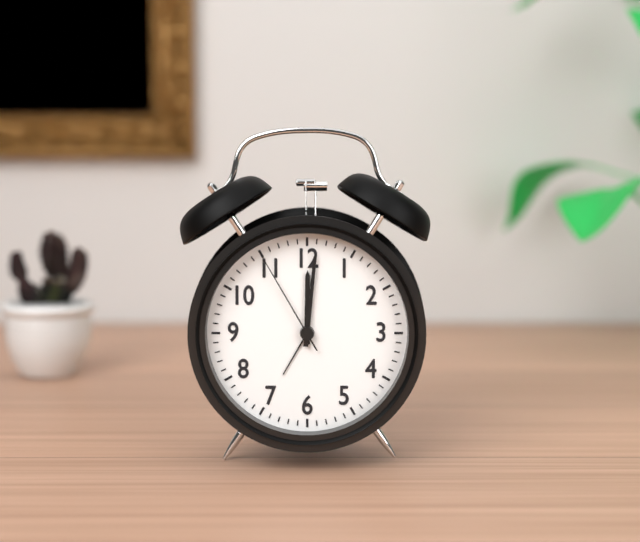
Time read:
12:01:55
